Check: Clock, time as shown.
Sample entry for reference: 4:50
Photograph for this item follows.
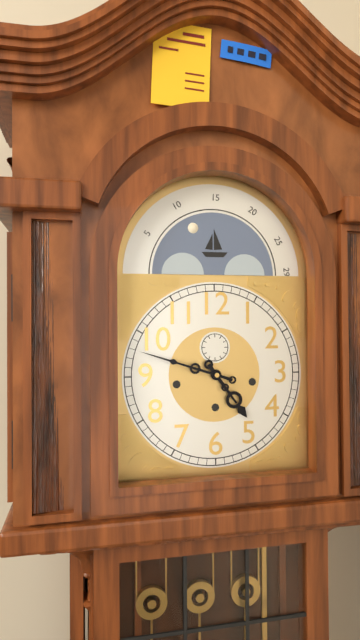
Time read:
4:48
